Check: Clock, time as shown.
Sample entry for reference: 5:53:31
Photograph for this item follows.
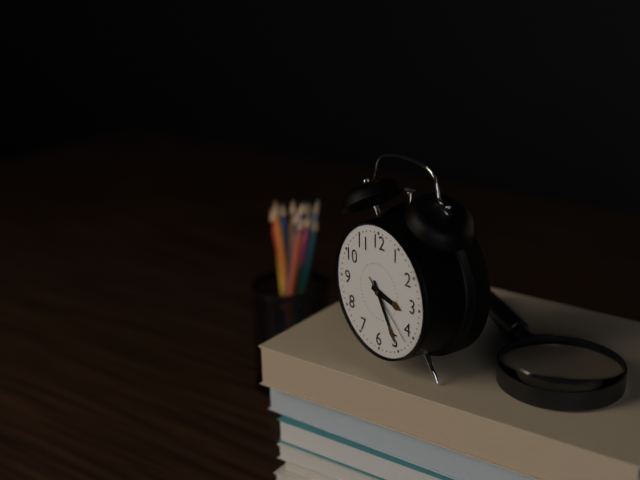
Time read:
3:25:22
